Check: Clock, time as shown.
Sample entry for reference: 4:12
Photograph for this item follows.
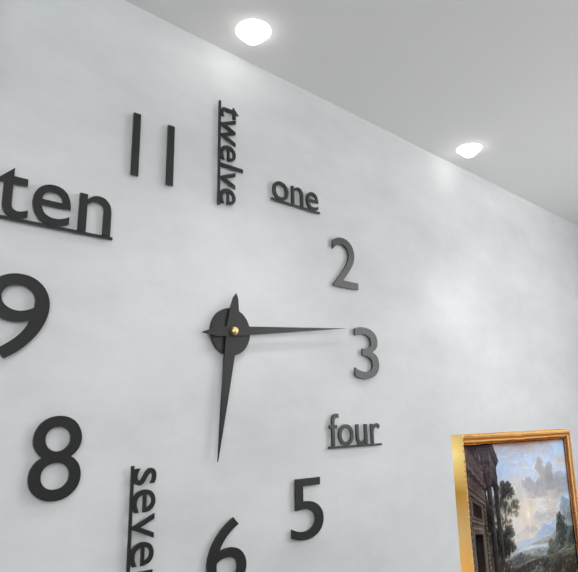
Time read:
6:14
